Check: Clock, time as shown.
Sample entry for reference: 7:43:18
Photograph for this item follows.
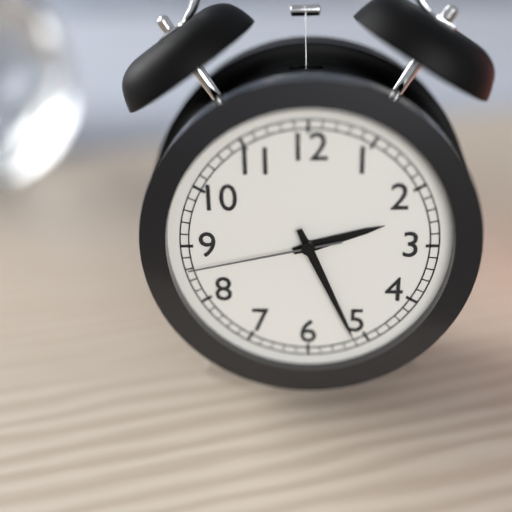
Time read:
2:26:43
